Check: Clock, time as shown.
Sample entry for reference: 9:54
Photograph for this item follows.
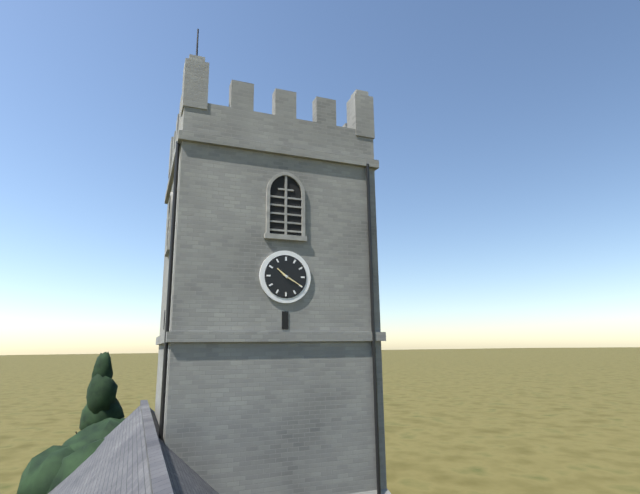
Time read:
10:20
